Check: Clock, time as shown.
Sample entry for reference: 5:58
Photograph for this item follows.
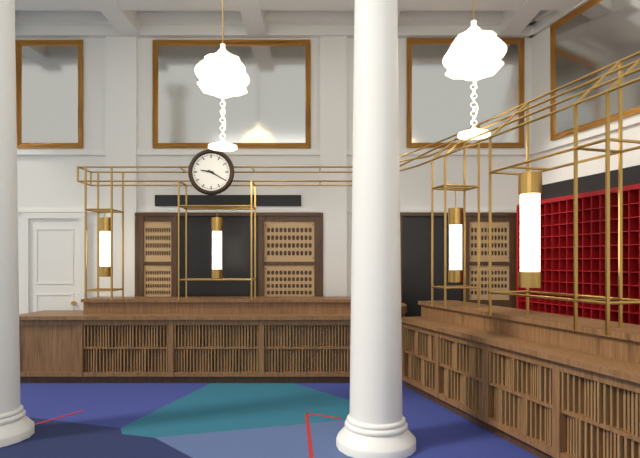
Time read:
9:20
